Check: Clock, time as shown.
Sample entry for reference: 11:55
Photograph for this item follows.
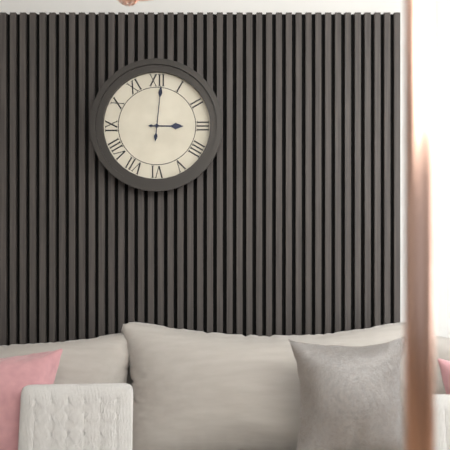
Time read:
3:01
